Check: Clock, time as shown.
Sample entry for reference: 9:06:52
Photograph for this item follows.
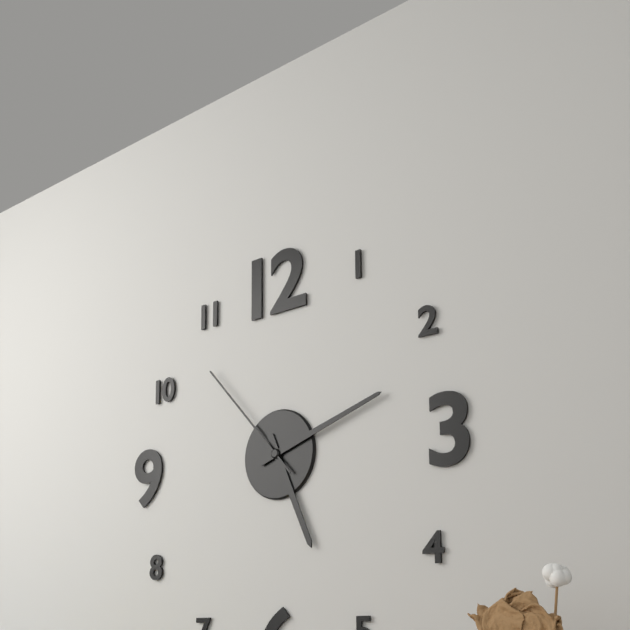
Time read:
5:12:53
